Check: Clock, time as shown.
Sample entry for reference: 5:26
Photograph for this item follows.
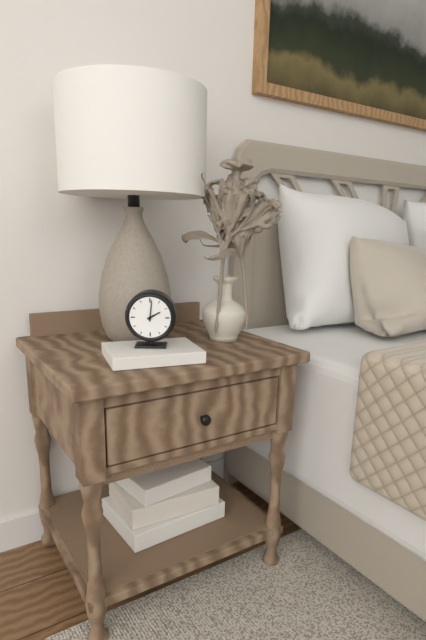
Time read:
2:01
